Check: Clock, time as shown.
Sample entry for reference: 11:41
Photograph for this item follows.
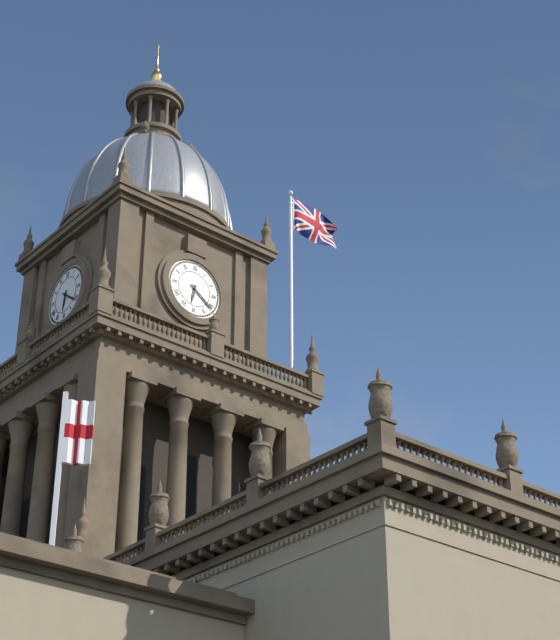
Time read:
6:21
